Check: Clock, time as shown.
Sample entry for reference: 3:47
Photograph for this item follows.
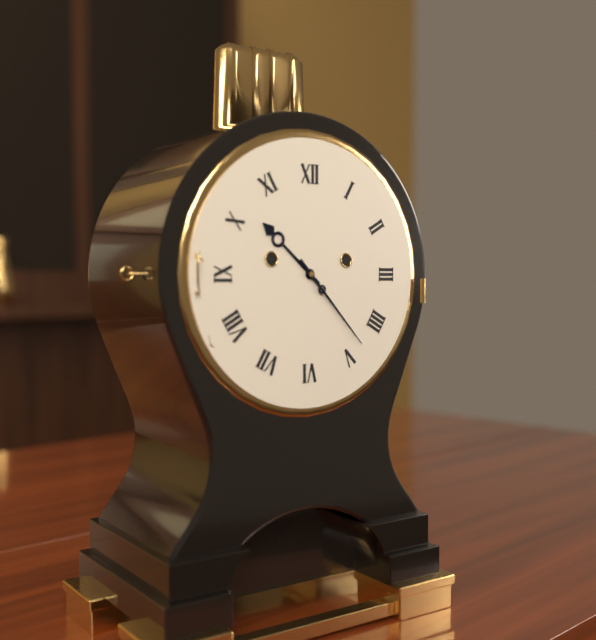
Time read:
10:23
